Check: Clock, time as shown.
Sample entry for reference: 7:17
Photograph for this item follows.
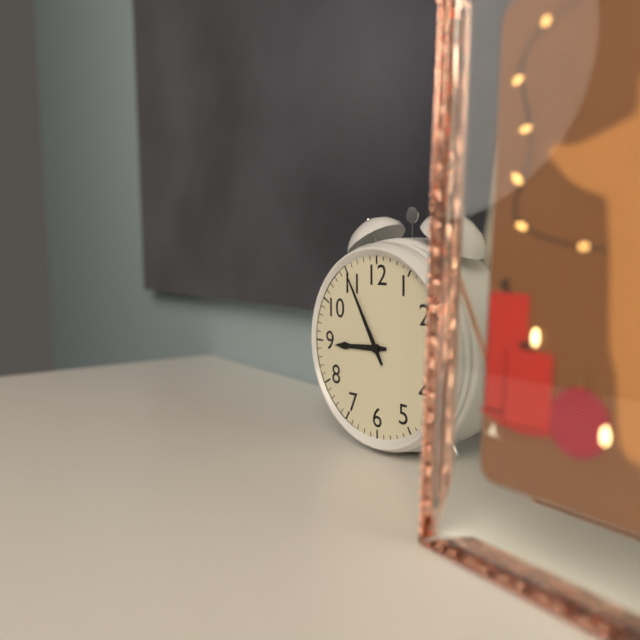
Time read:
8:55
